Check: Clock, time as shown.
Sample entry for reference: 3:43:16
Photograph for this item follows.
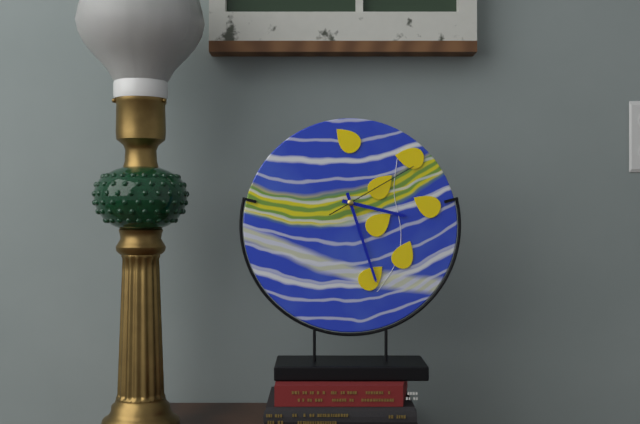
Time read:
3:27:10
